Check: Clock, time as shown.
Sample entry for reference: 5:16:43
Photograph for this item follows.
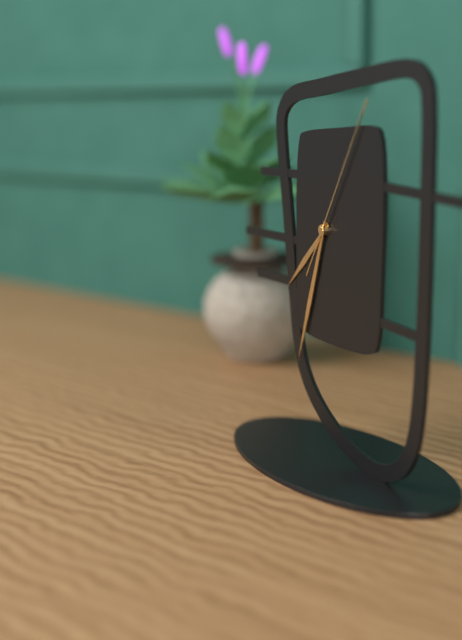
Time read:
7:33:05
